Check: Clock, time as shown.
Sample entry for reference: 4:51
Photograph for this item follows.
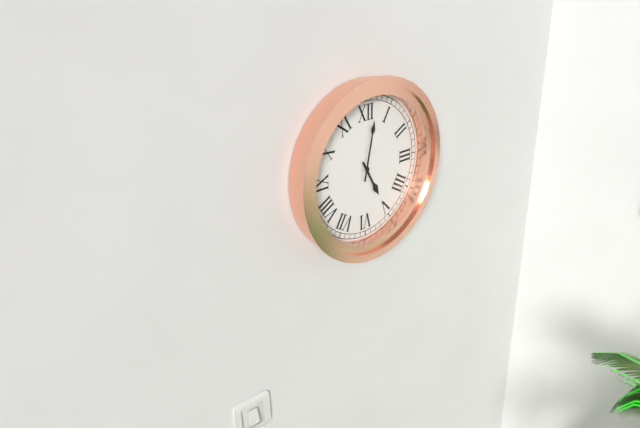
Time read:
5:02
